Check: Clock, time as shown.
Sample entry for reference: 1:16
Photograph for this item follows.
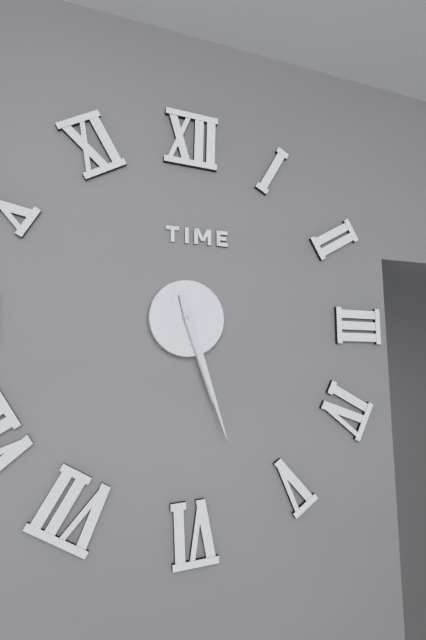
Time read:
5:27
